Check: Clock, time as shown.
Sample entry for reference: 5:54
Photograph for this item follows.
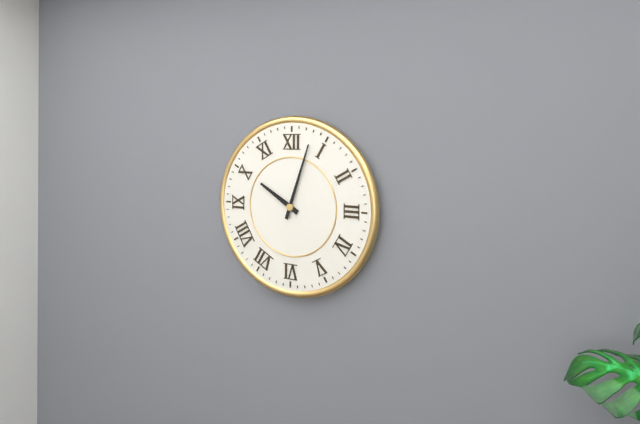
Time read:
10:03
